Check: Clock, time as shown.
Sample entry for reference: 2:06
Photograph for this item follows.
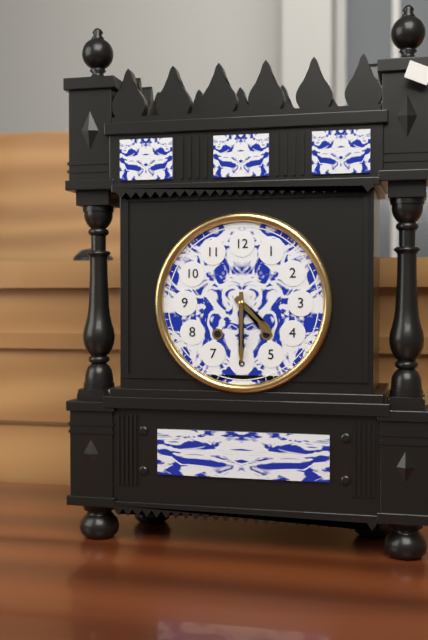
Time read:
4:30
